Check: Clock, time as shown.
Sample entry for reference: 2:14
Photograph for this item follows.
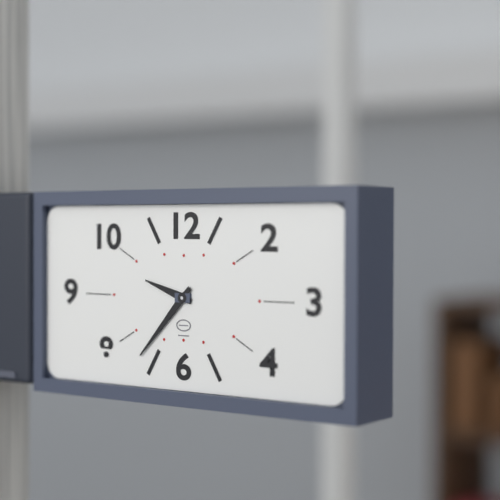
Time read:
9:37
